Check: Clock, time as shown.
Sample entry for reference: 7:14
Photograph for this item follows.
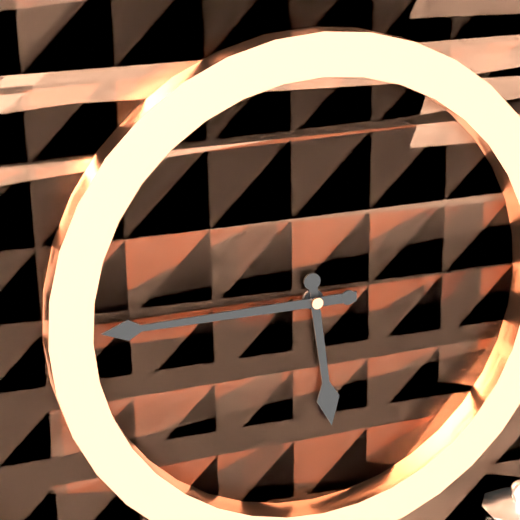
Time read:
5:45
